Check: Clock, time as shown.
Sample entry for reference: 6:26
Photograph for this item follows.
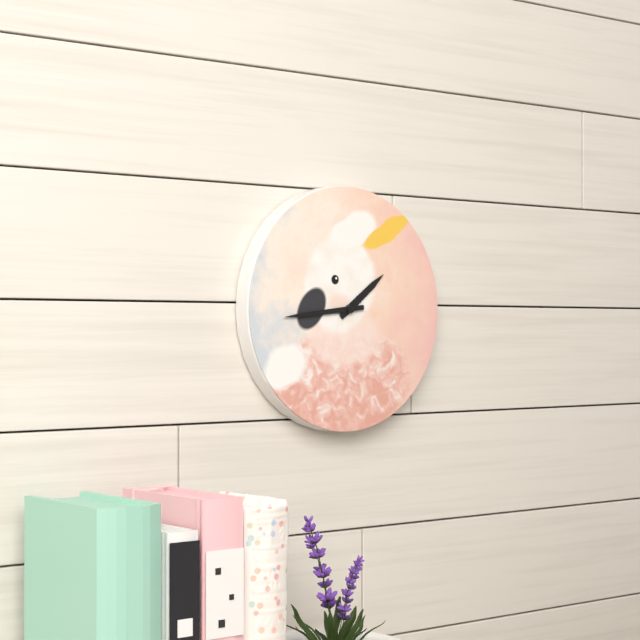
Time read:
1:44
